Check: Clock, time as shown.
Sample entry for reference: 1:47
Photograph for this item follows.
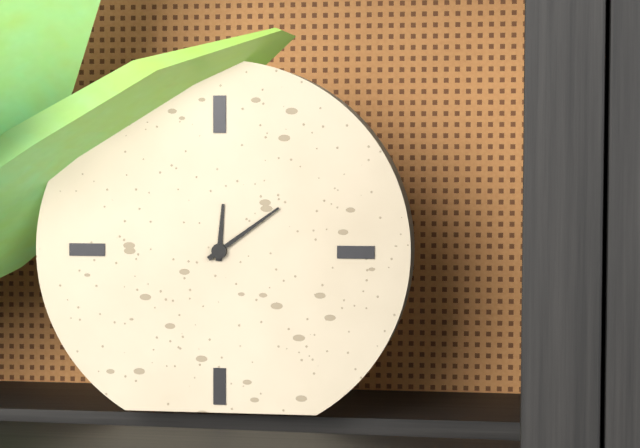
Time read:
12:09
